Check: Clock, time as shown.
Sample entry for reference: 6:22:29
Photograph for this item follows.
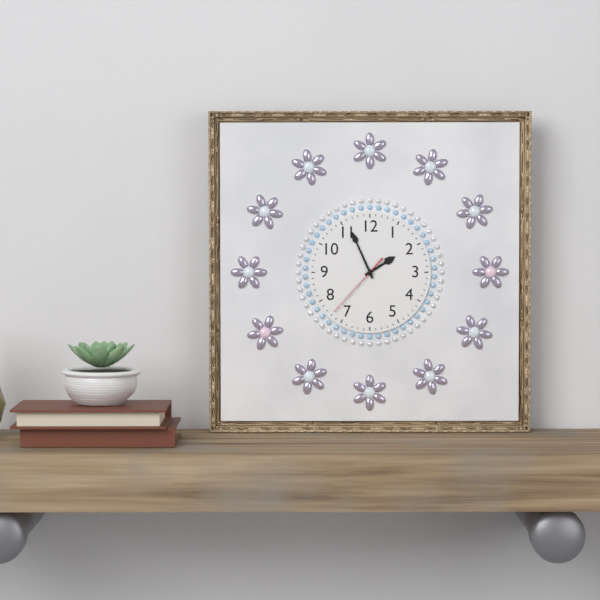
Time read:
1:56:37
